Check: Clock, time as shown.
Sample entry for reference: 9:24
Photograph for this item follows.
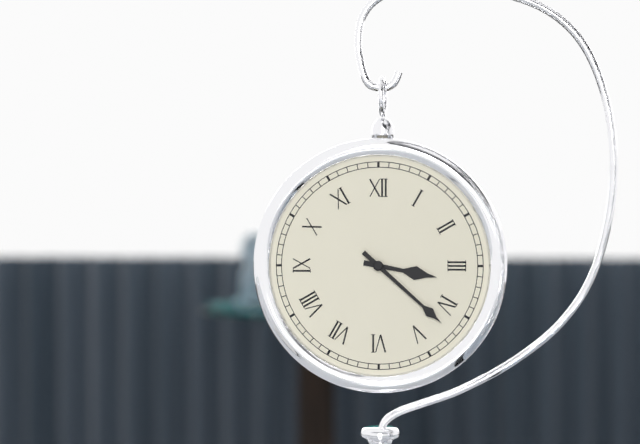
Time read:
3:22
